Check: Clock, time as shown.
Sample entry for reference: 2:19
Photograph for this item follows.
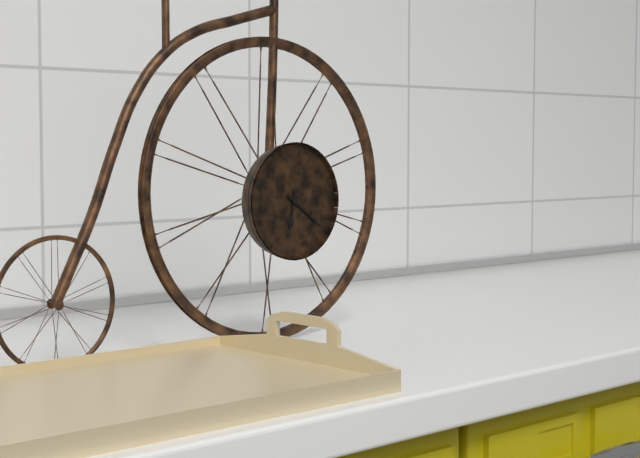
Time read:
6:21
